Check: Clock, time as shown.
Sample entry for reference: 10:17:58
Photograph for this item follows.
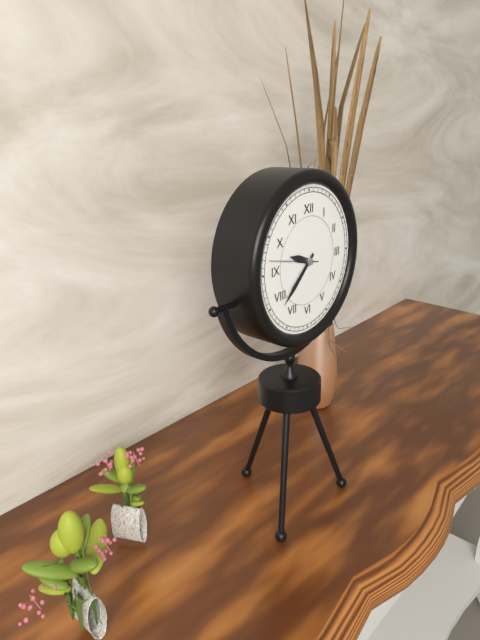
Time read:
9:38:47
